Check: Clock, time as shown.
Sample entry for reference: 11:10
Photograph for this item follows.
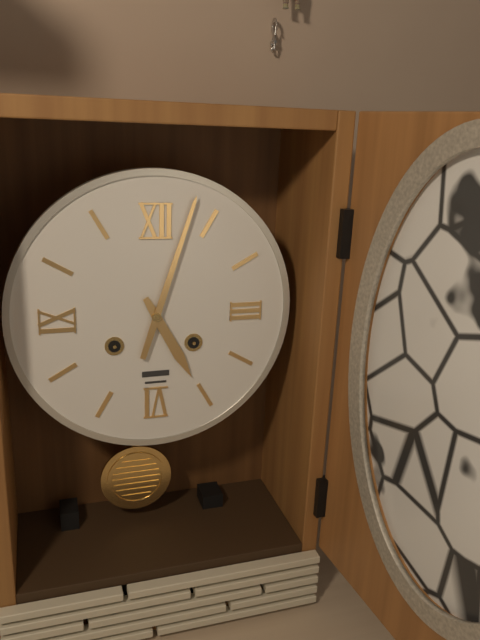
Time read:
5:03
